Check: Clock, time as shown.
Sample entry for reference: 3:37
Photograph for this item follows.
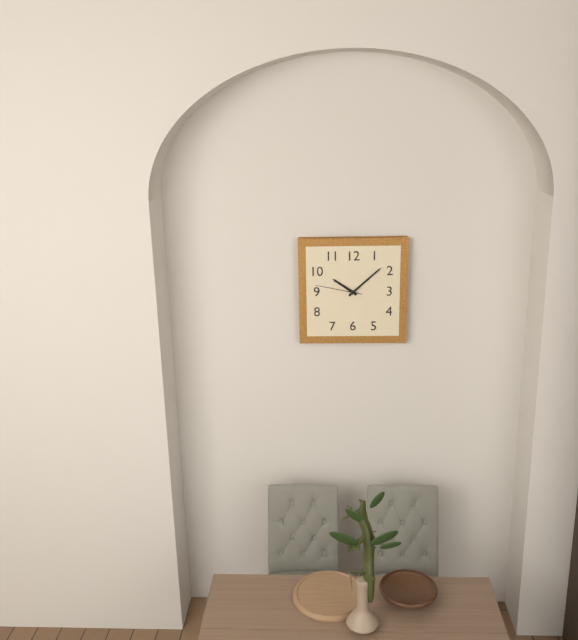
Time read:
10:08
